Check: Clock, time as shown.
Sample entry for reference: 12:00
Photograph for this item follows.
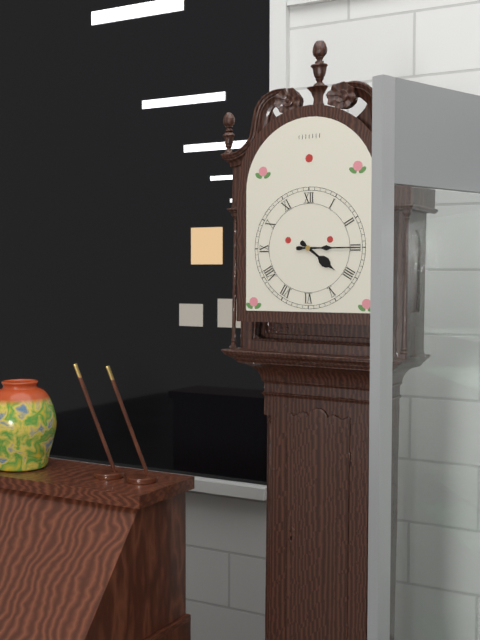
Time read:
4:15
